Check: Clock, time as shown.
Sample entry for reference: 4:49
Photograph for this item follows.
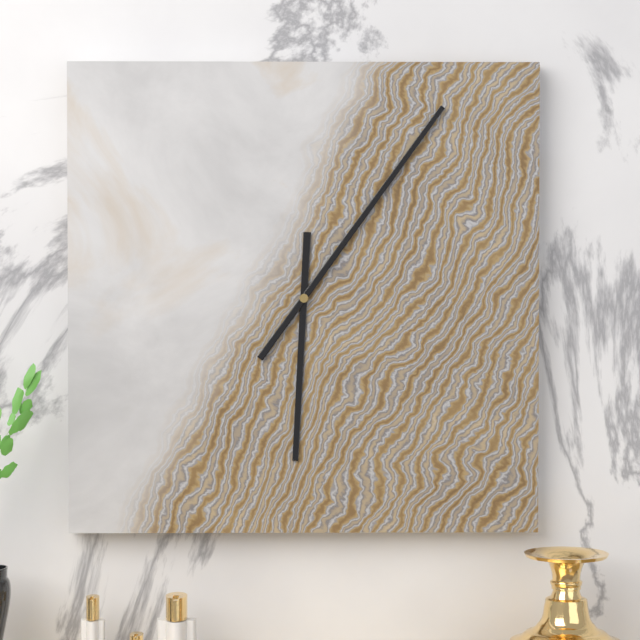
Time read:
6:06
